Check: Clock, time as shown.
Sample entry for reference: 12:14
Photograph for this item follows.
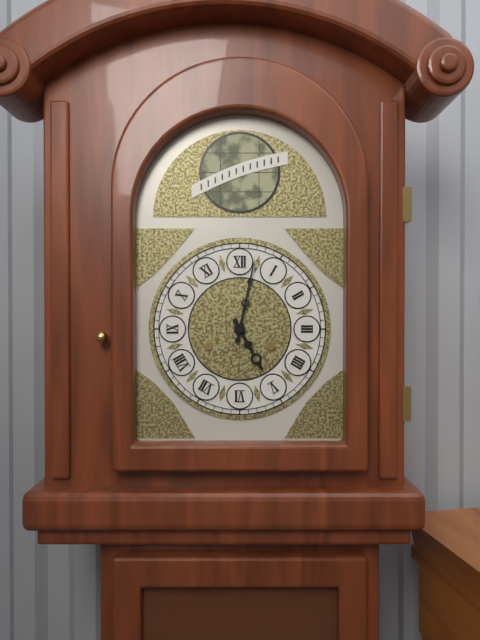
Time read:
5:02
